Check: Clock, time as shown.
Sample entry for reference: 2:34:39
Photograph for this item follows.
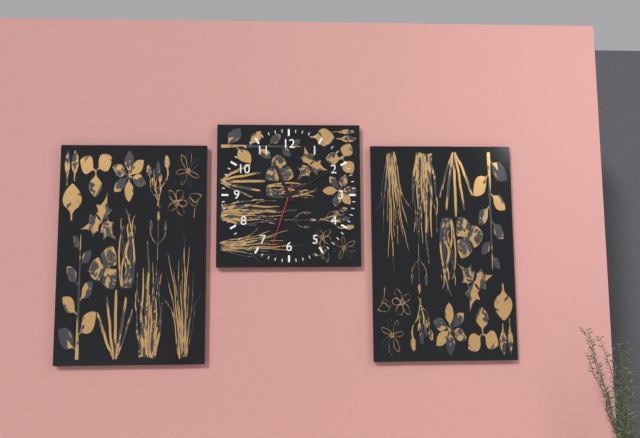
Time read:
11:10:33
